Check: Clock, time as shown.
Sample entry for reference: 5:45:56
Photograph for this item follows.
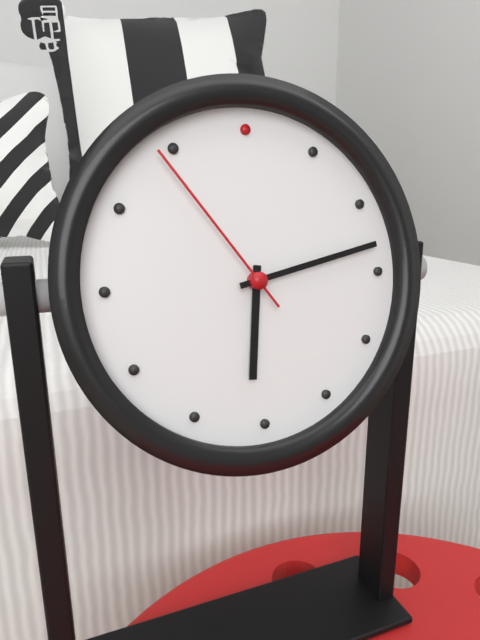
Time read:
6:13:54
